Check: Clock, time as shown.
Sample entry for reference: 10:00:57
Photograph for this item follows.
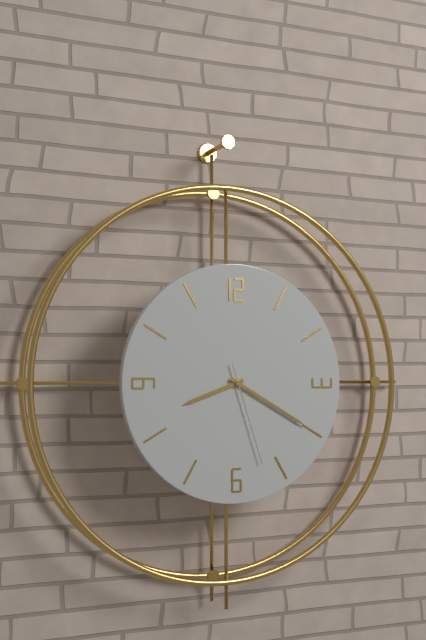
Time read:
8:20:27
